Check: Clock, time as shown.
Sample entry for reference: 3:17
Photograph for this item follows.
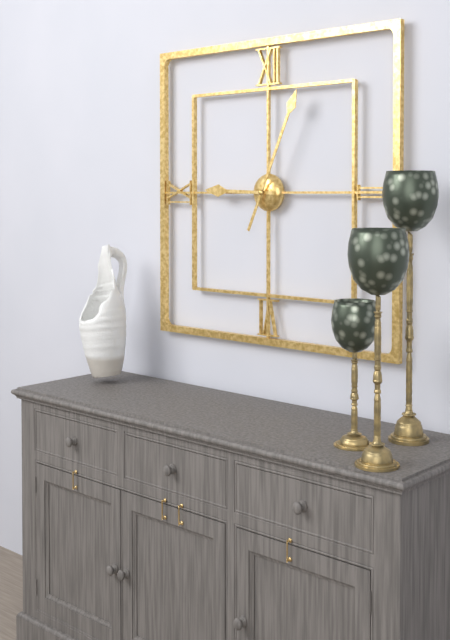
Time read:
9:04
